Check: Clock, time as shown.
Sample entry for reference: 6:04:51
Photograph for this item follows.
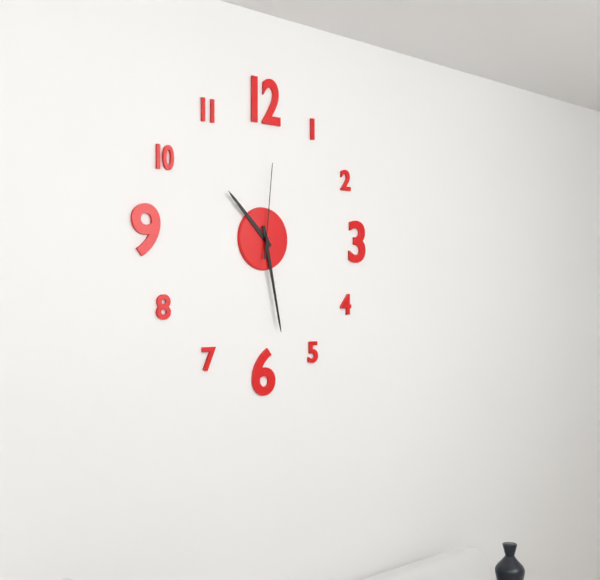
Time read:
10:28:01
